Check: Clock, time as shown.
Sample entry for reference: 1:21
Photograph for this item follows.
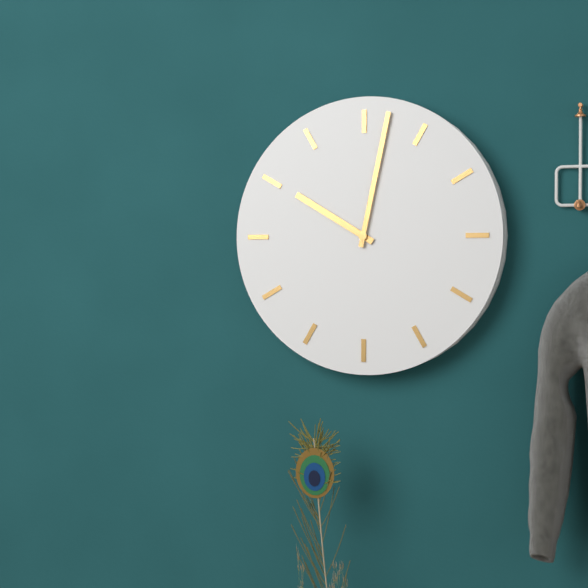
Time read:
10:02
